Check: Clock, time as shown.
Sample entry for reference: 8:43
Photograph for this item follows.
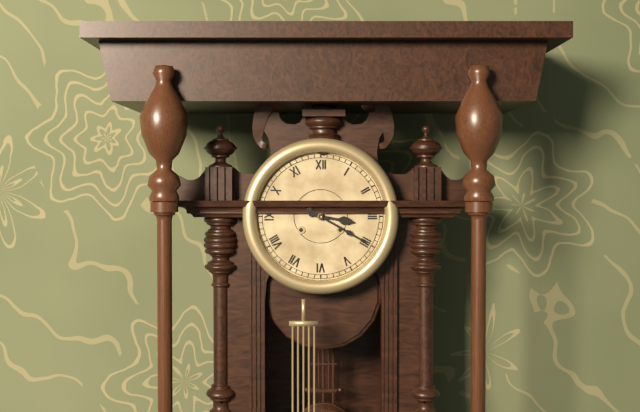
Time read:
3:20
